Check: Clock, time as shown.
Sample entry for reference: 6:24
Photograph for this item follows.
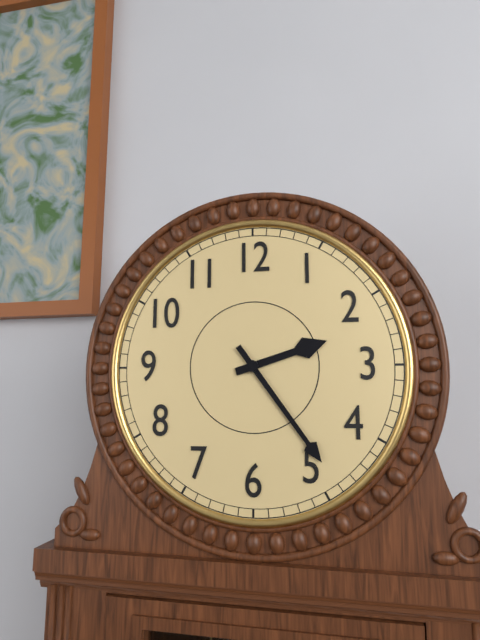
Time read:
2:24
